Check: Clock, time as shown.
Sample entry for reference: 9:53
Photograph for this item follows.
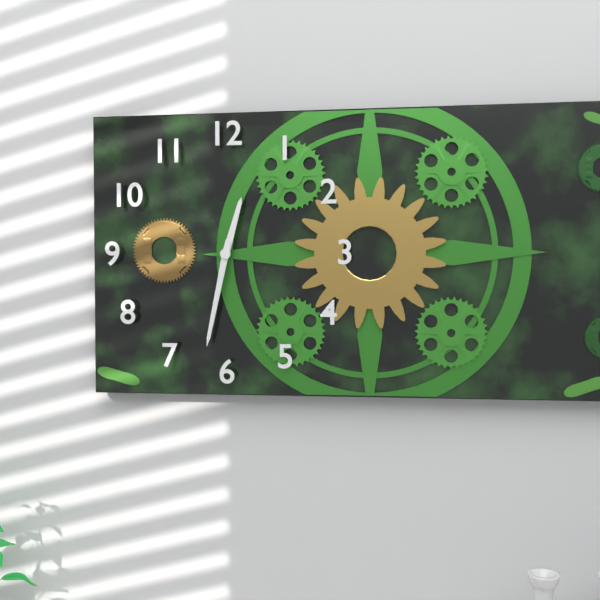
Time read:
12:32
